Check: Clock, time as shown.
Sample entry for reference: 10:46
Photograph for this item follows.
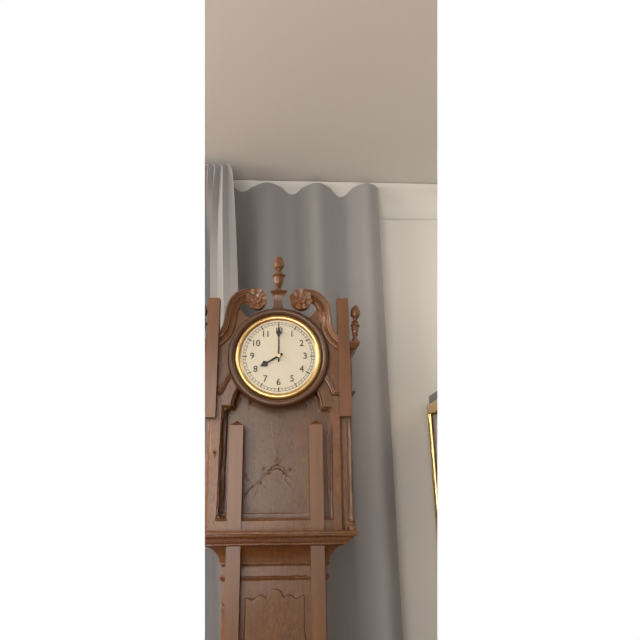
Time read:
8:00
